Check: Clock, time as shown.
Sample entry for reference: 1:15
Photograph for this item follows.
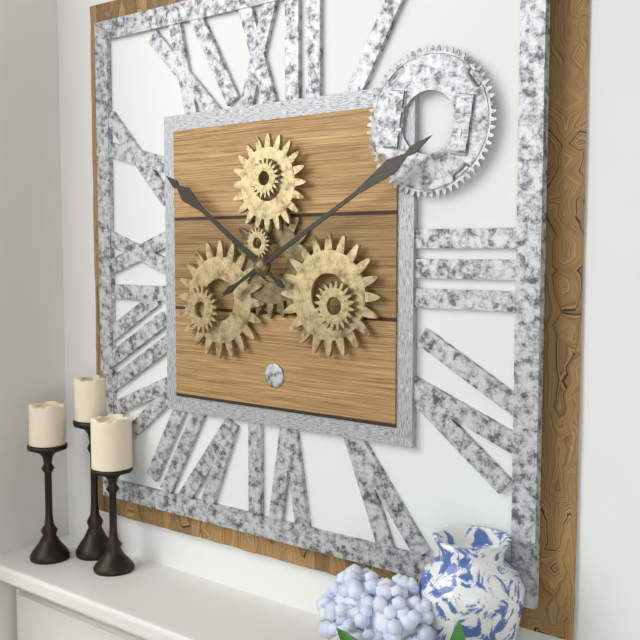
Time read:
10:10
